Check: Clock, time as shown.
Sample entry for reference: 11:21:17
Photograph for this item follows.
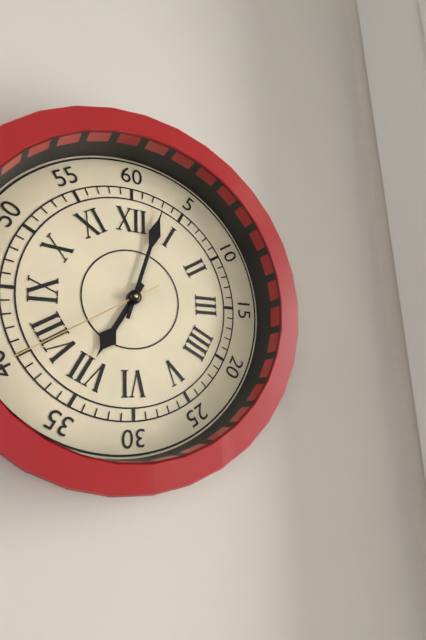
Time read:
7:03:40
